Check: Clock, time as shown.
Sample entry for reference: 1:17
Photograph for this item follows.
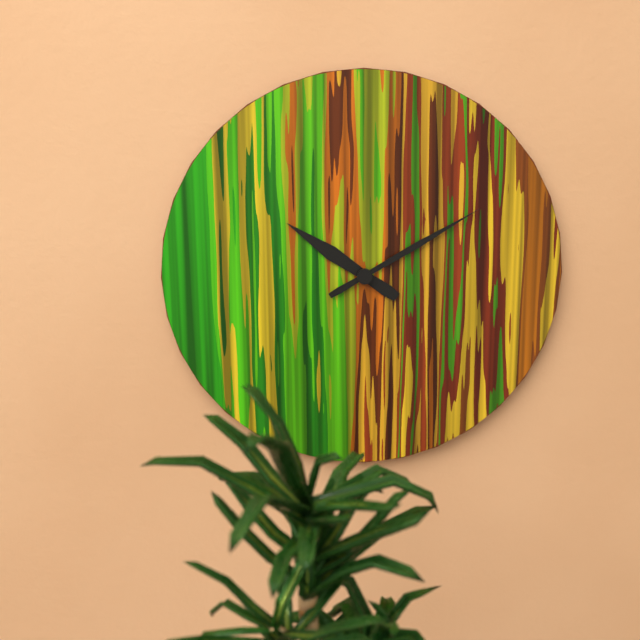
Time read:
10:10
